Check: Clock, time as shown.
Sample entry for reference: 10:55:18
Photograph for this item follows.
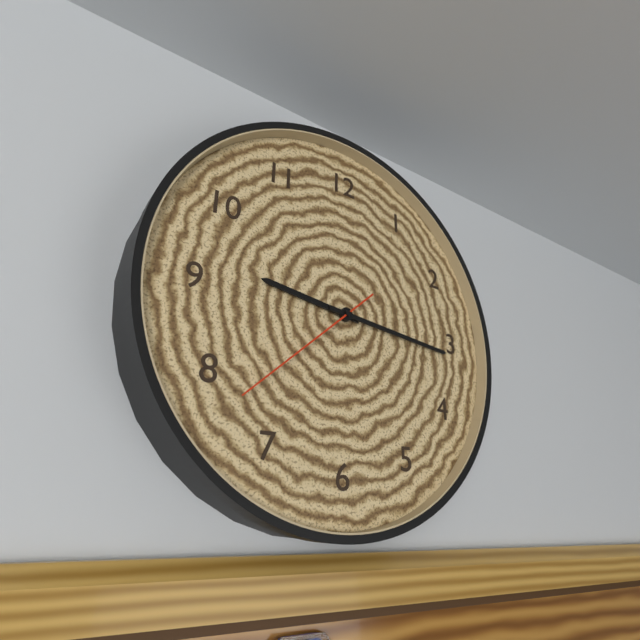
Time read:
9:16:38
